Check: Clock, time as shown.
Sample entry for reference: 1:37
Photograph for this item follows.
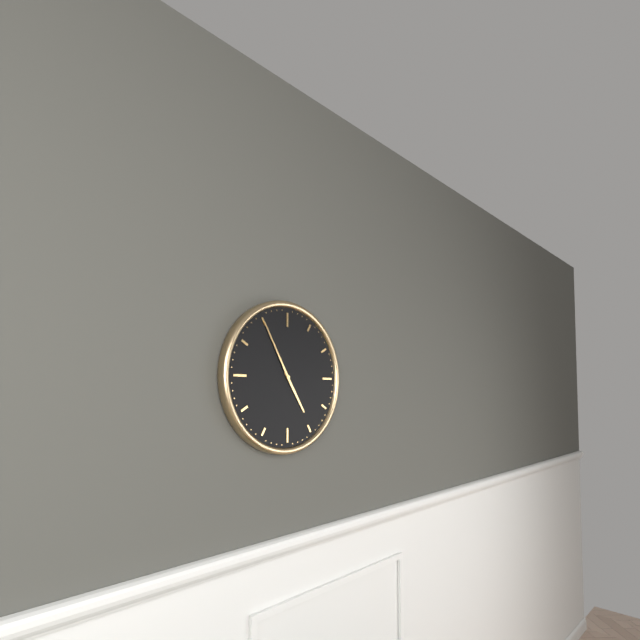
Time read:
4:55
